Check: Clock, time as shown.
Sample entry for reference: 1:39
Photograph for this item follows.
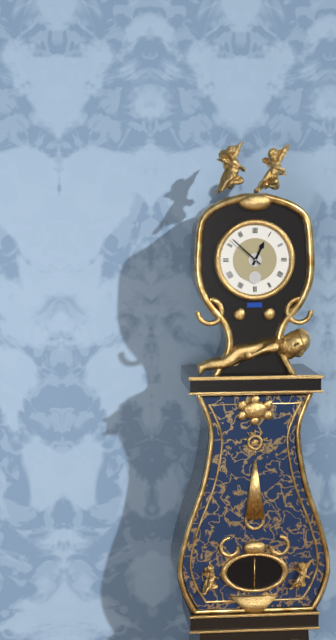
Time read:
12:52
